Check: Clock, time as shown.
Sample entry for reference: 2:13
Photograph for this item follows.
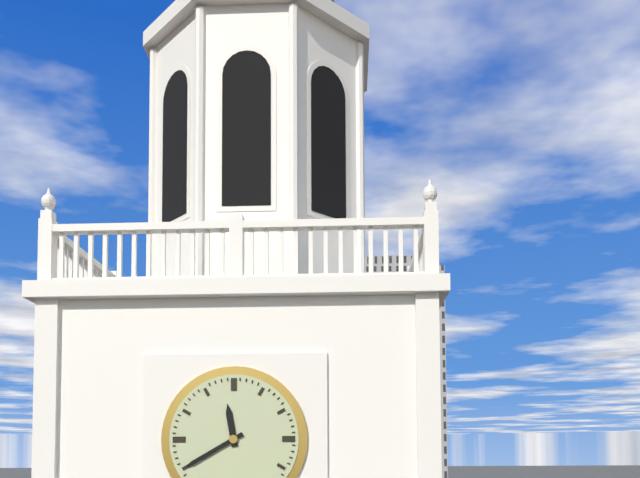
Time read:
11:40
